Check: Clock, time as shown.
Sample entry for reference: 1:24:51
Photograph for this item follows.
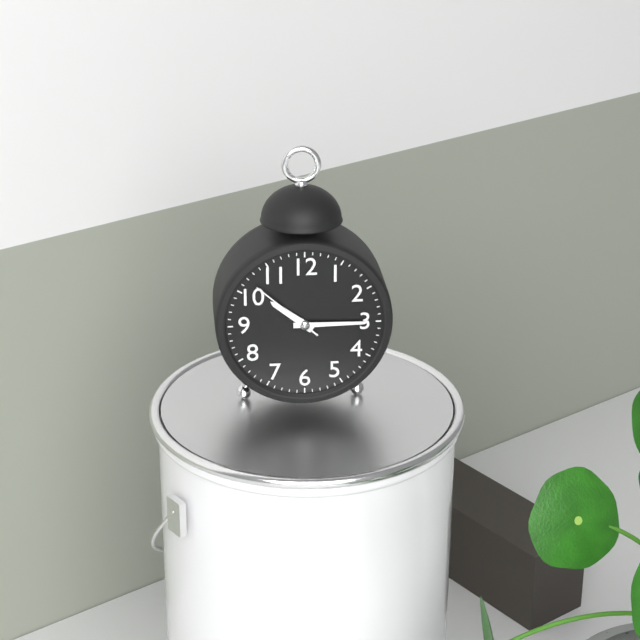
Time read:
10:15:52
